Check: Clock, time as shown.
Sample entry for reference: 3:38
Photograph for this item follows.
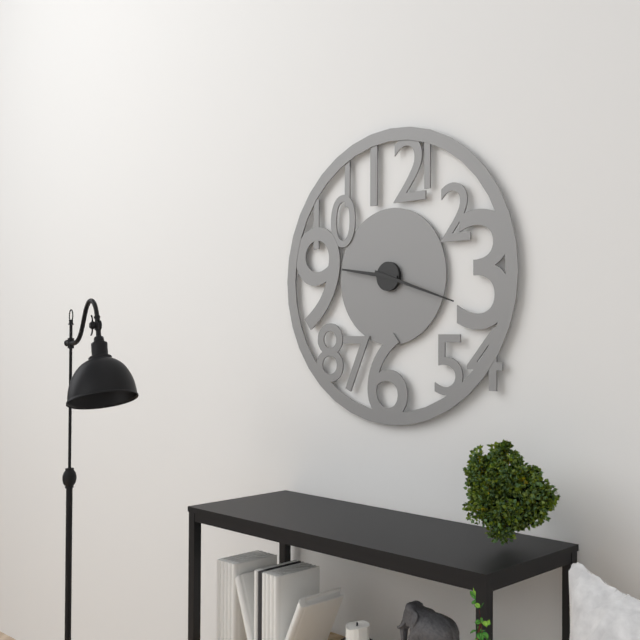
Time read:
9:18
